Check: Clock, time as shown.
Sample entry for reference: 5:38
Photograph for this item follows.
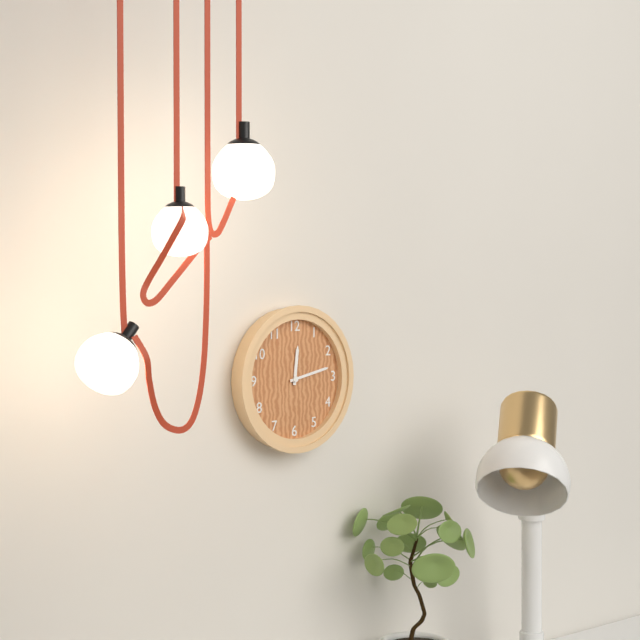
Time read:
12:13
